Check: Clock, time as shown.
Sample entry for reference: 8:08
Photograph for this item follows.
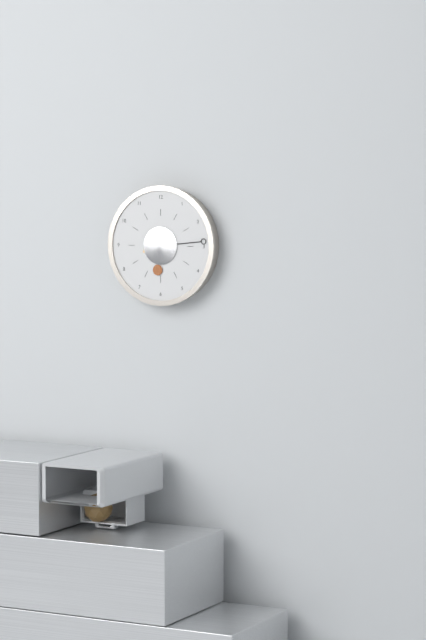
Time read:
6:14
